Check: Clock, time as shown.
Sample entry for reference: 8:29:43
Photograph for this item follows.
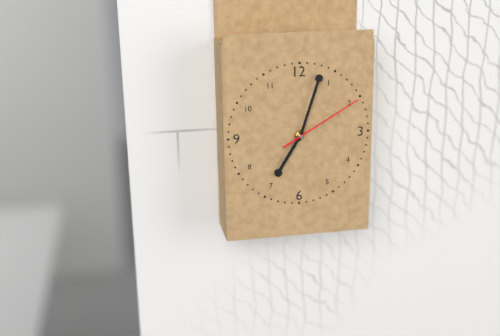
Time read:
7:03:10
